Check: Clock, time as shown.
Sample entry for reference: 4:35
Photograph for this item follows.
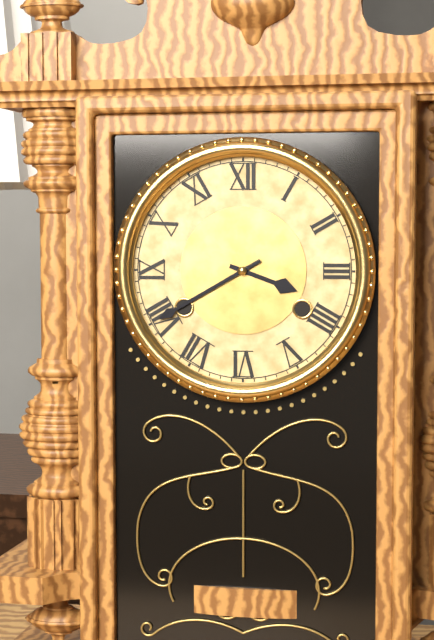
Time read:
3:40
